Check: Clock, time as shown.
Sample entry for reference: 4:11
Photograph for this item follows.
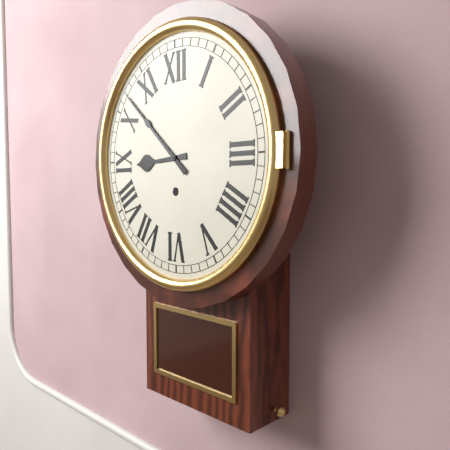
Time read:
8:52
